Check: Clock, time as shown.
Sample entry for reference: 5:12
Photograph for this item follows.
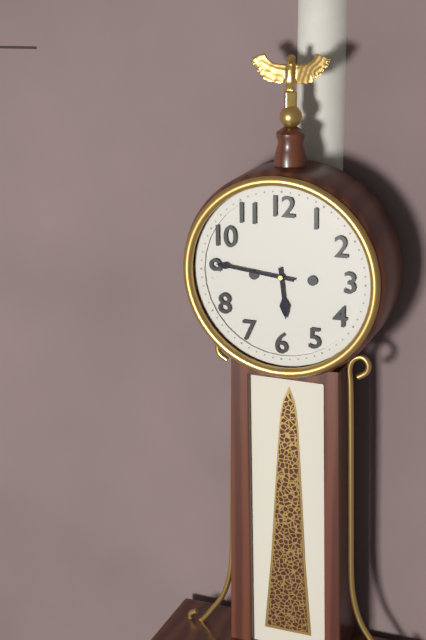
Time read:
5:46
